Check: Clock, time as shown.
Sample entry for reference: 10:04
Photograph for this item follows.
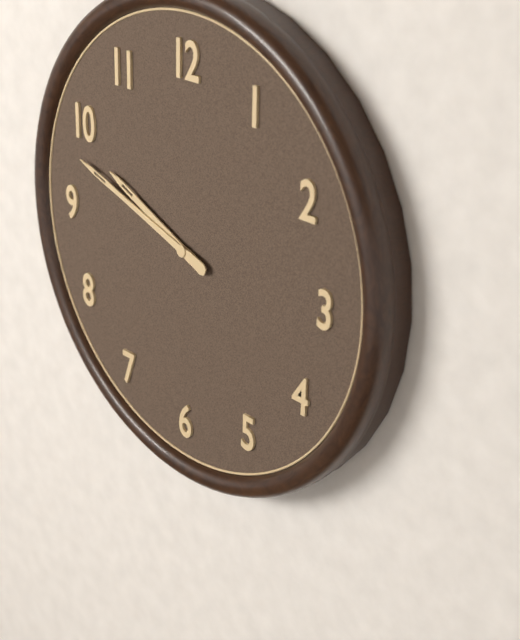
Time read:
9:48
